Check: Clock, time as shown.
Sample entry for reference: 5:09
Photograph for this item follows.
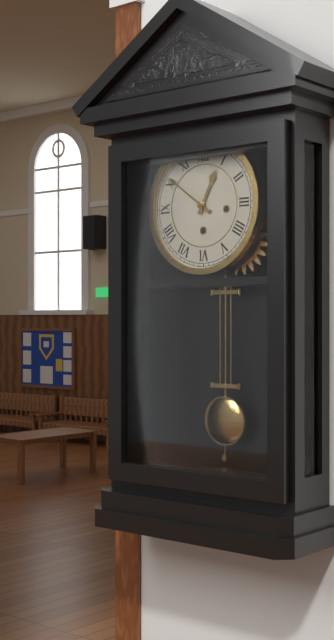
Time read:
12:51
